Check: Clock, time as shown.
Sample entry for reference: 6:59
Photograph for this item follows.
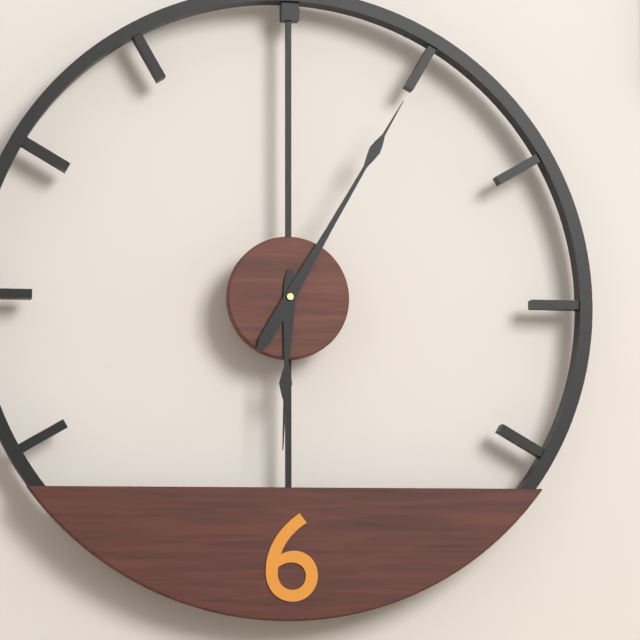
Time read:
6:05
